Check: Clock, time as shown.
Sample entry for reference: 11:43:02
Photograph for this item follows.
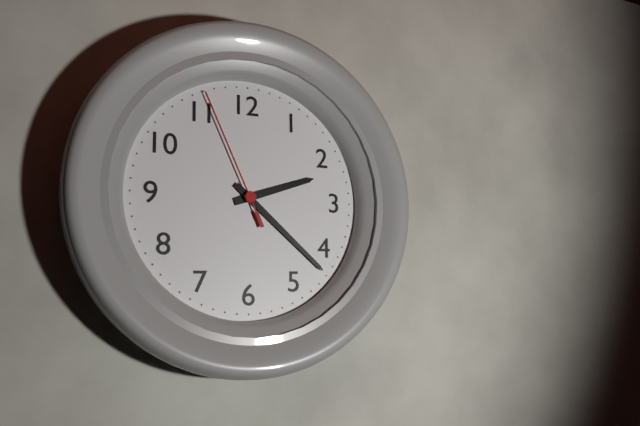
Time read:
2:22:56
